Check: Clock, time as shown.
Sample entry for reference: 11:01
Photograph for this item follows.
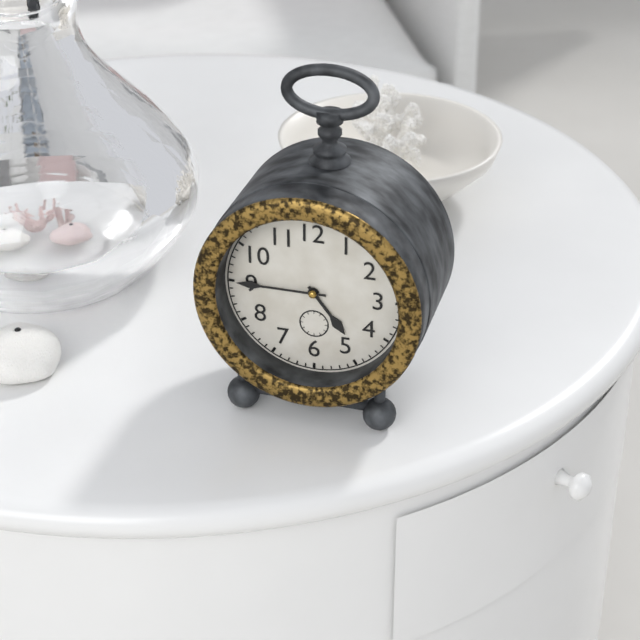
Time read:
4:45
